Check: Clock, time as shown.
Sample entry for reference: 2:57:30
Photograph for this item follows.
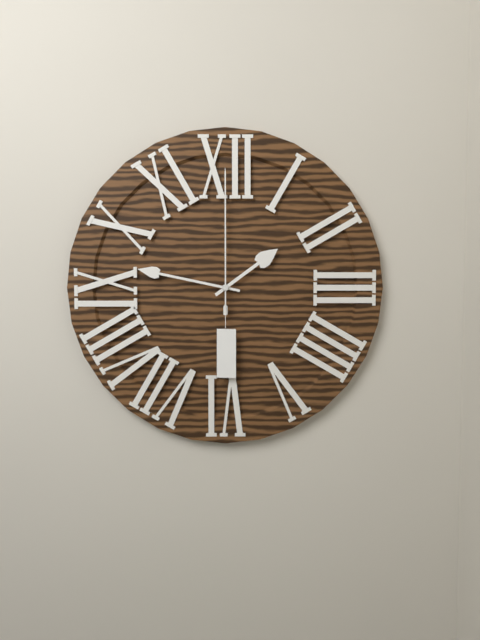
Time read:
1:47:00
